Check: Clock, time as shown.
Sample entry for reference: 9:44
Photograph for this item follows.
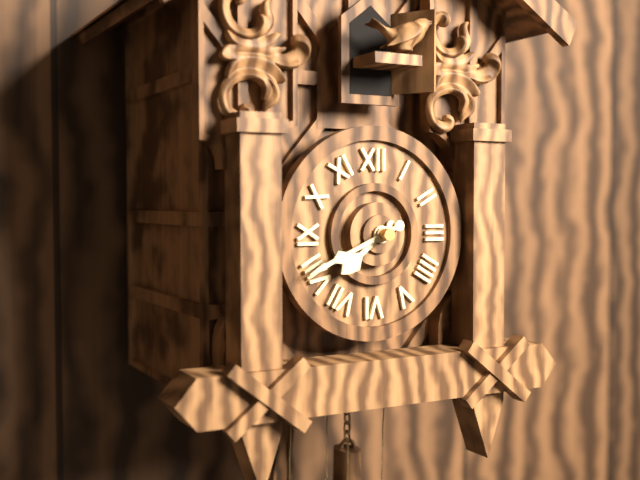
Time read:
7:41
